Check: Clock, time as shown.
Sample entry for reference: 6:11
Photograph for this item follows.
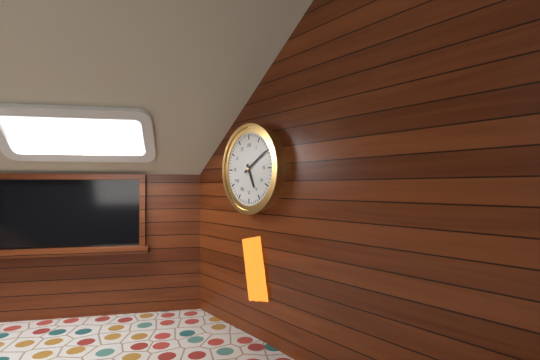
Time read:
5:10
